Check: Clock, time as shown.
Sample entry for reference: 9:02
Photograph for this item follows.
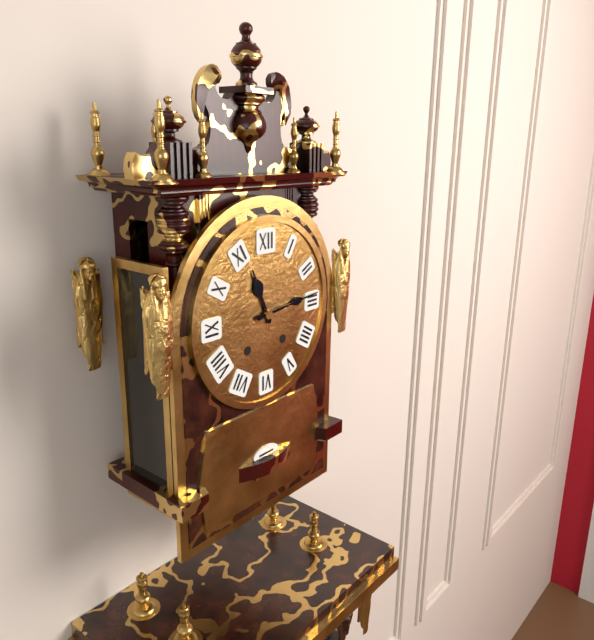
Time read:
11:14
